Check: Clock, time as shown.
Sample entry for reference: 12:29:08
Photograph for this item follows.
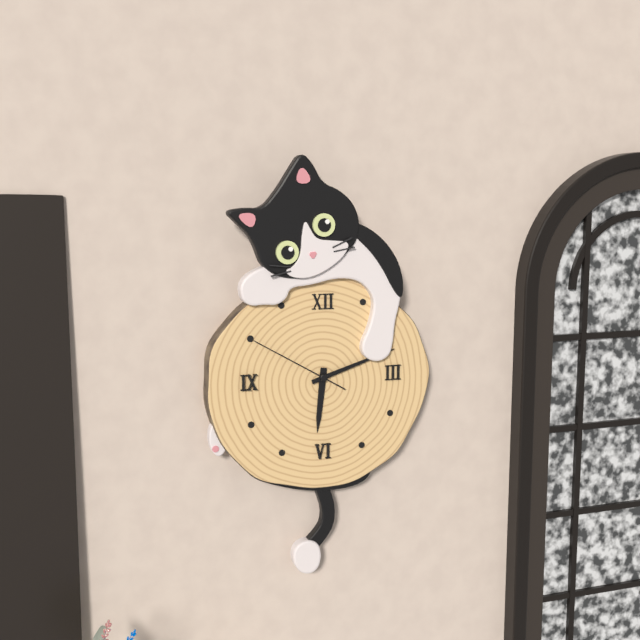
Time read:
6:12:50
